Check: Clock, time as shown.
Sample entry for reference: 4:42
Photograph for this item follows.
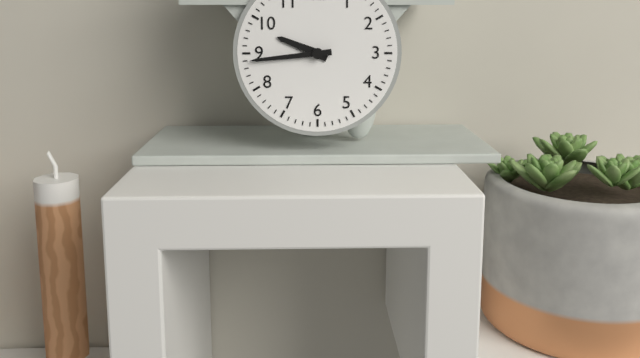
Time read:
9:44
